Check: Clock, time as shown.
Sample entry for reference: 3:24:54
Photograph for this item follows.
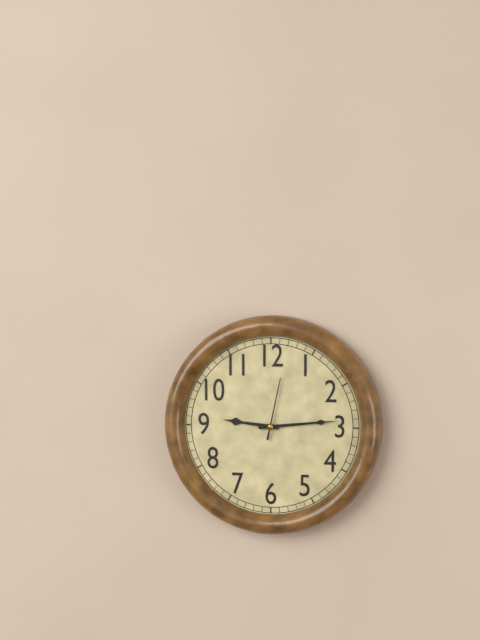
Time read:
9:14:02
